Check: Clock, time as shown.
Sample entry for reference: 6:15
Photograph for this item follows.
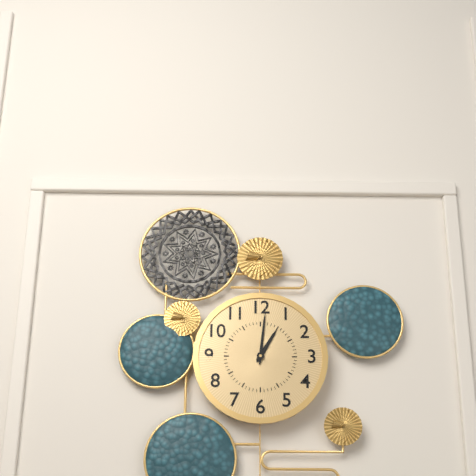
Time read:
1:01
